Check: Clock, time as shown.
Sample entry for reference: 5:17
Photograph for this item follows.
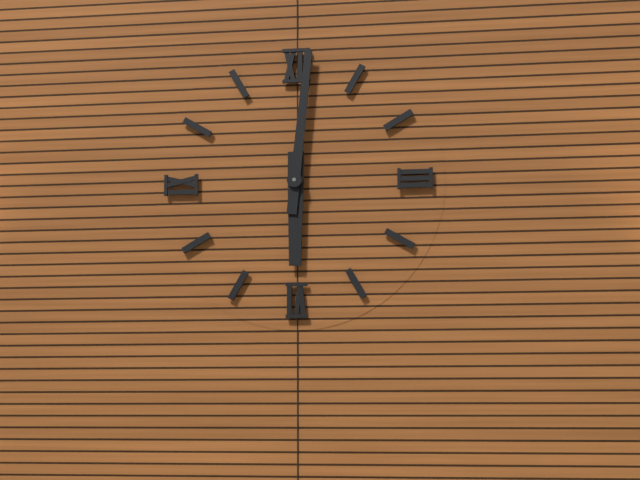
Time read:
6:01
